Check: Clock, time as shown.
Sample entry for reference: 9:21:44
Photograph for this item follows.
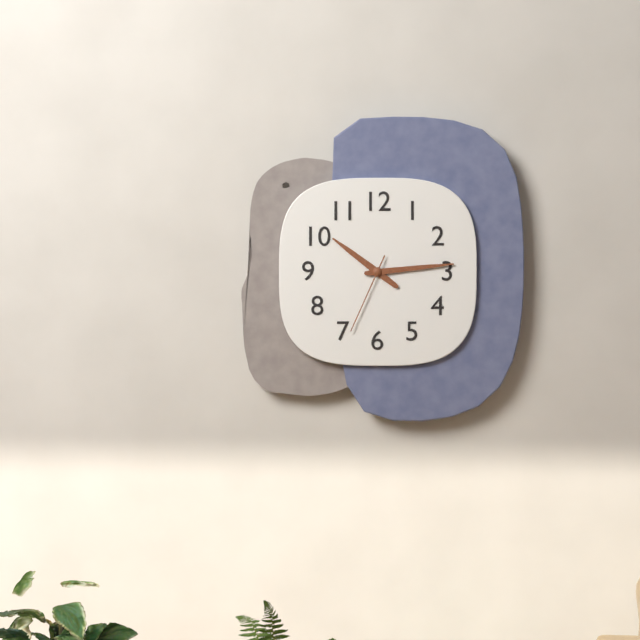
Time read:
10:14:34
